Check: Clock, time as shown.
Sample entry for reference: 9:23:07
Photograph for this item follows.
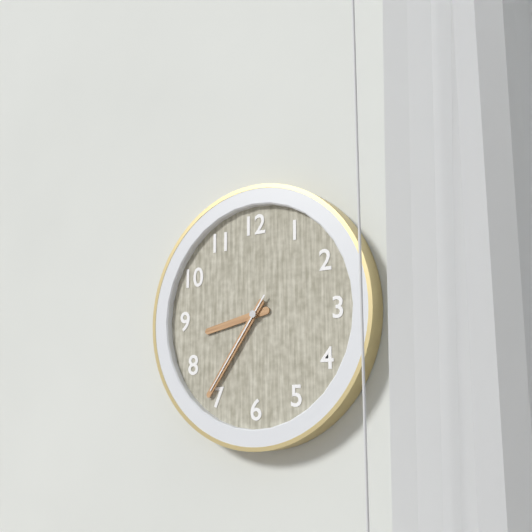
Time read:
8:36:36
